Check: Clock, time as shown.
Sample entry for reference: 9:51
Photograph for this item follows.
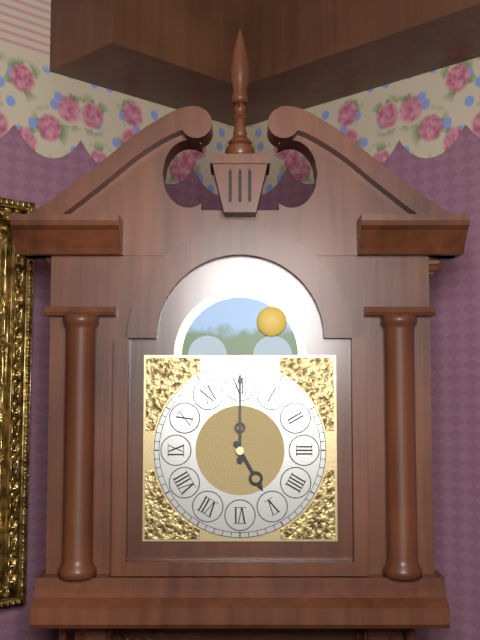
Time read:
5:00
